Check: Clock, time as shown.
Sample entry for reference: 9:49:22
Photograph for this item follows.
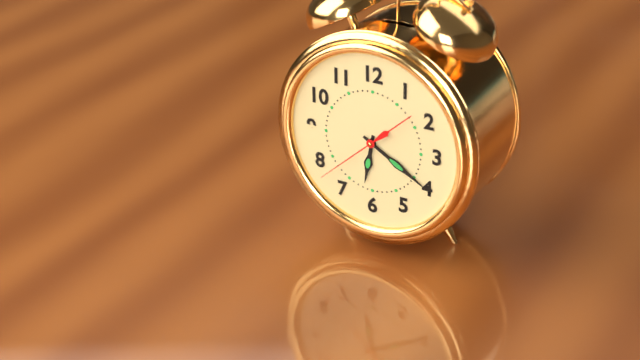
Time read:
6:20:38
